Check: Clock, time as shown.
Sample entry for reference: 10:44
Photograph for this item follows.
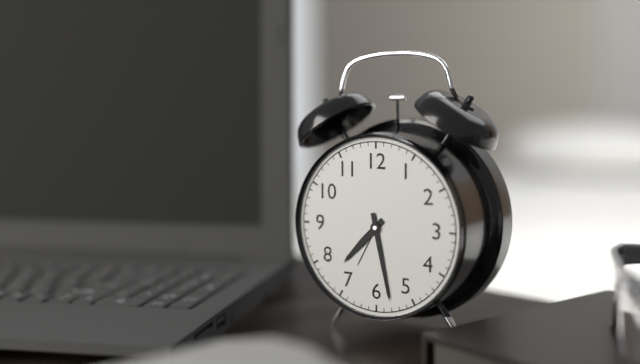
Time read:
7:28
